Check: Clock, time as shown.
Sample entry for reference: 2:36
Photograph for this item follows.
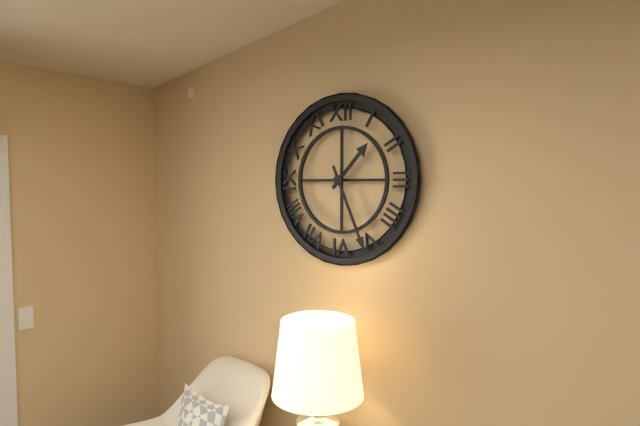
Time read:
1:26
